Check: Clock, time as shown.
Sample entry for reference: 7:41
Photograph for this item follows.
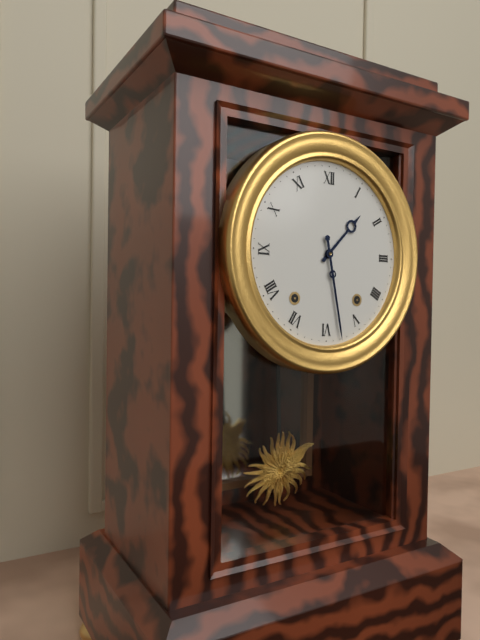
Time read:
1:28
